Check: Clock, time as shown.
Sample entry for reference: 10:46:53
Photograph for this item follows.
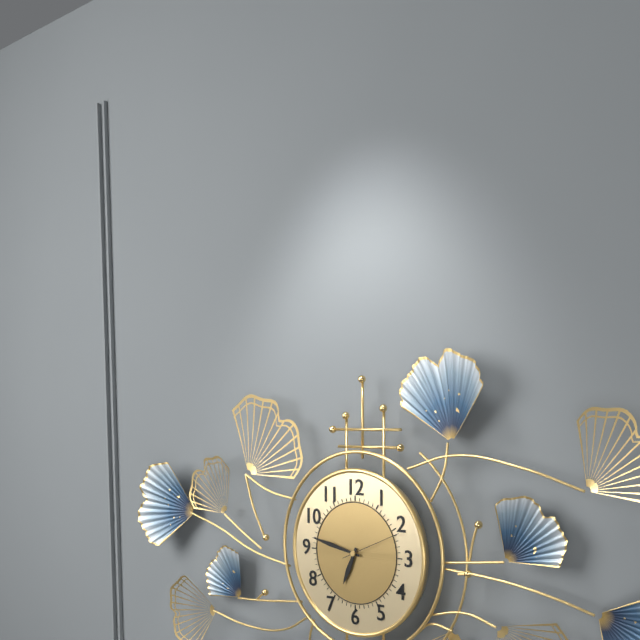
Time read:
6:47:11
